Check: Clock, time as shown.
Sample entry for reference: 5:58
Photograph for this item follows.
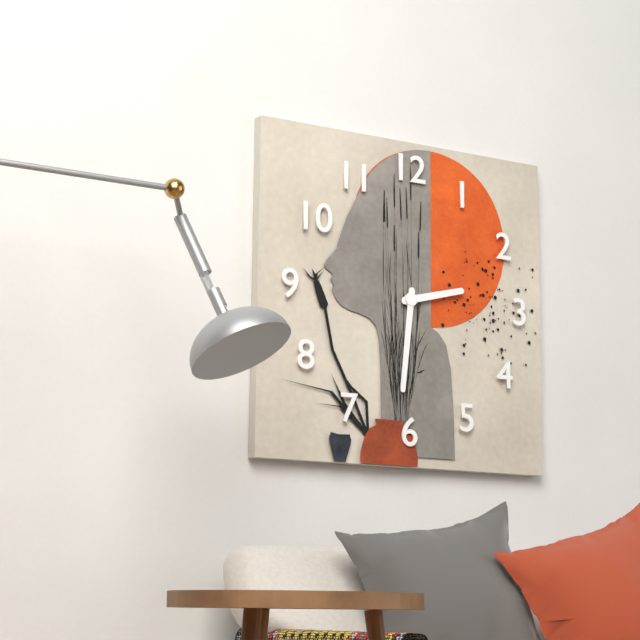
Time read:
2:31
